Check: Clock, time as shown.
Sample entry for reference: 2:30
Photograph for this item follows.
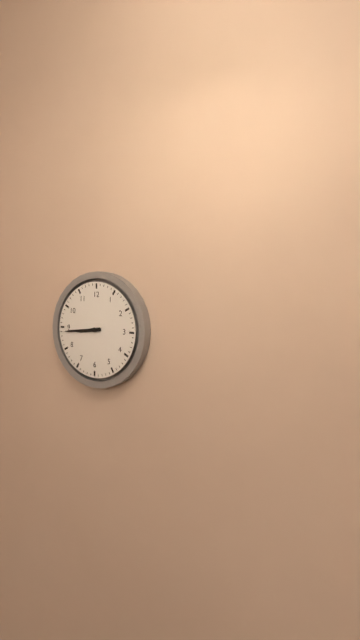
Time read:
8:44
